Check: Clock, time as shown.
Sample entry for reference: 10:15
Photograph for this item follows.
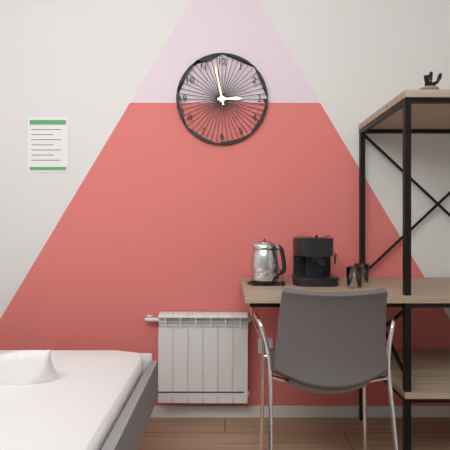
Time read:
2:58
